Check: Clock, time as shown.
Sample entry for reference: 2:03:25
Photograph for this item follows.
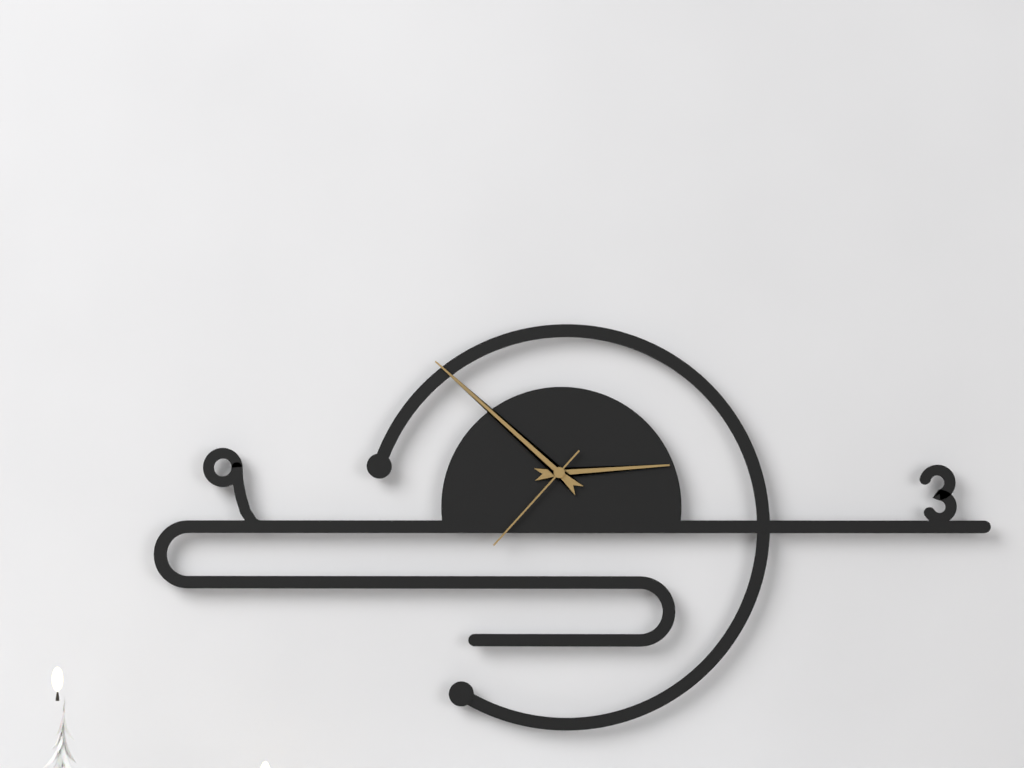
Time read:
2:52:37
